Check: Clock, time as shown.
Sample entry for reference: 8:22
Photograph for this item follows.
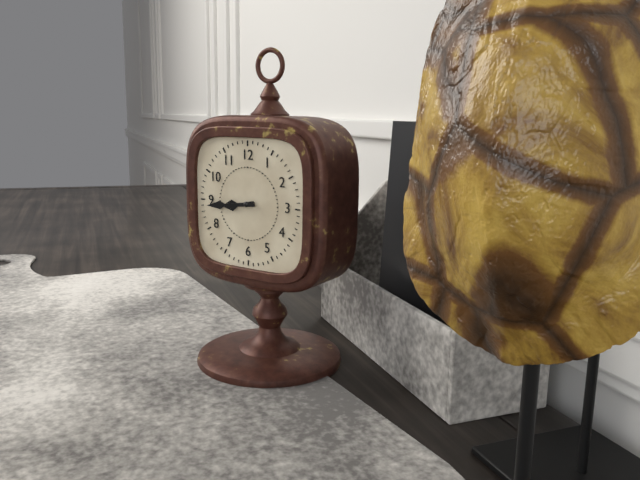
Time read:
8:44
